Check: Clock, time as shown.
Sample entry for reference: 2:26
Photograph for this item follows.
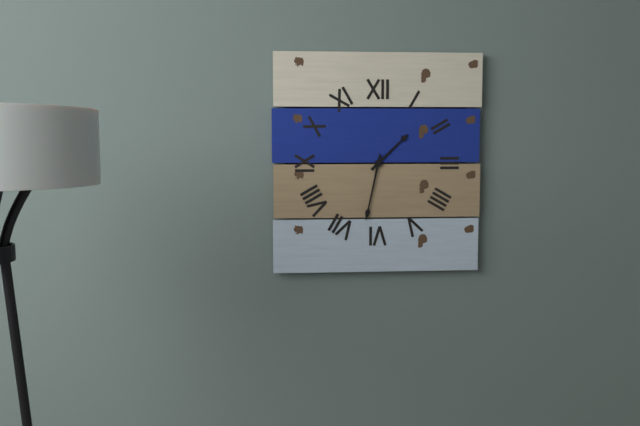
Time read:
1:32
